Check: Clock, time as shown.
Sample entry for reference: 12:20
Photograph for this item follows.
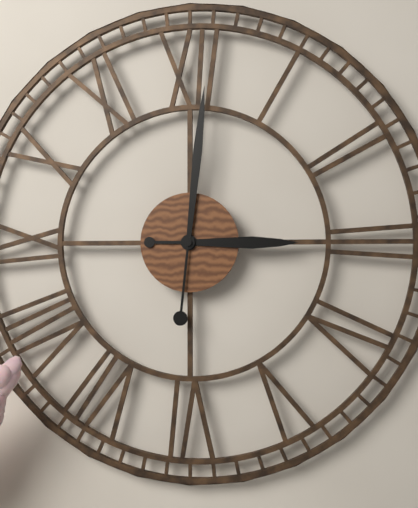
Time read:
3:01
